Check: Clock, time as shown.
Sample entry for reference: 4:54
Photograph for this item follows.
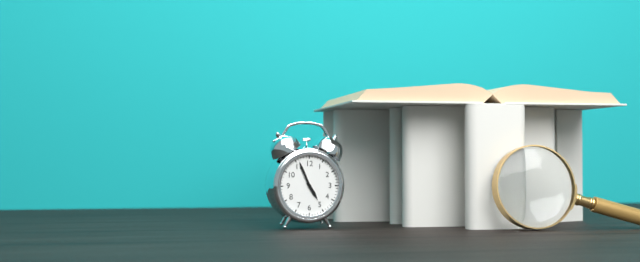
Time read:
4:56
